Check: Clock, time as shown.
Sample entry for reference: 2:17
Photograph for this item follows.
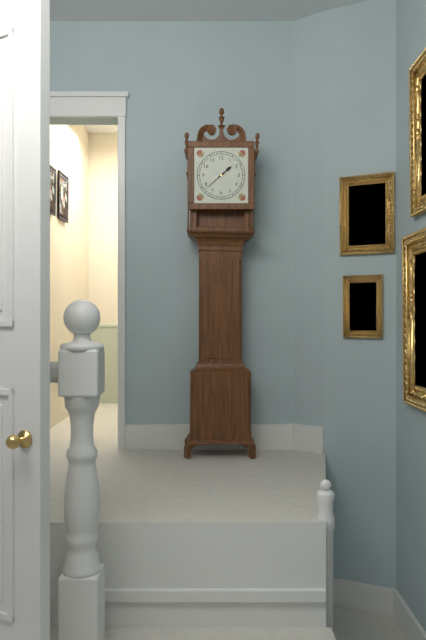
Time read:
1:38
